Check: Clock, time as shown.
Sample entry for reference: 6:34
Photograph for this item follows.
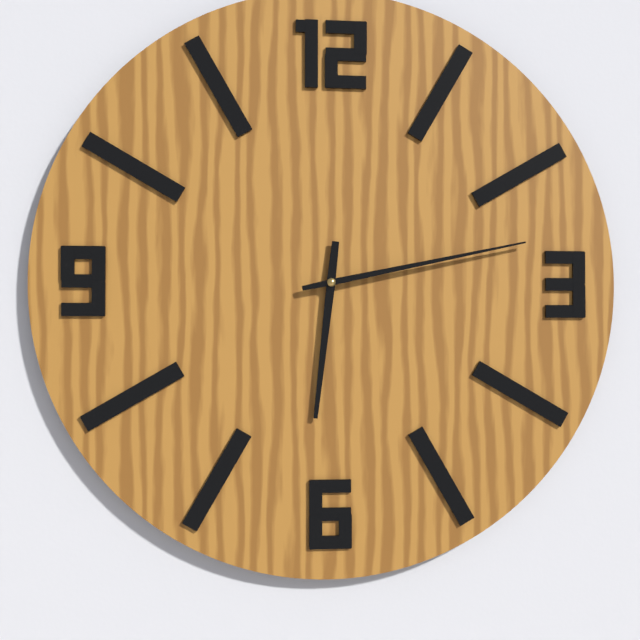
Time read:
6:13
